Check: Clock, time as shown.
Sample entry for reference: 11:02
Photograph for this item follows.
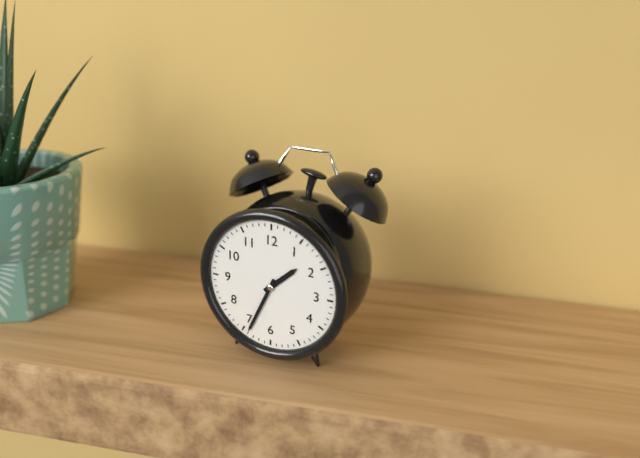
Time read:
1:34
